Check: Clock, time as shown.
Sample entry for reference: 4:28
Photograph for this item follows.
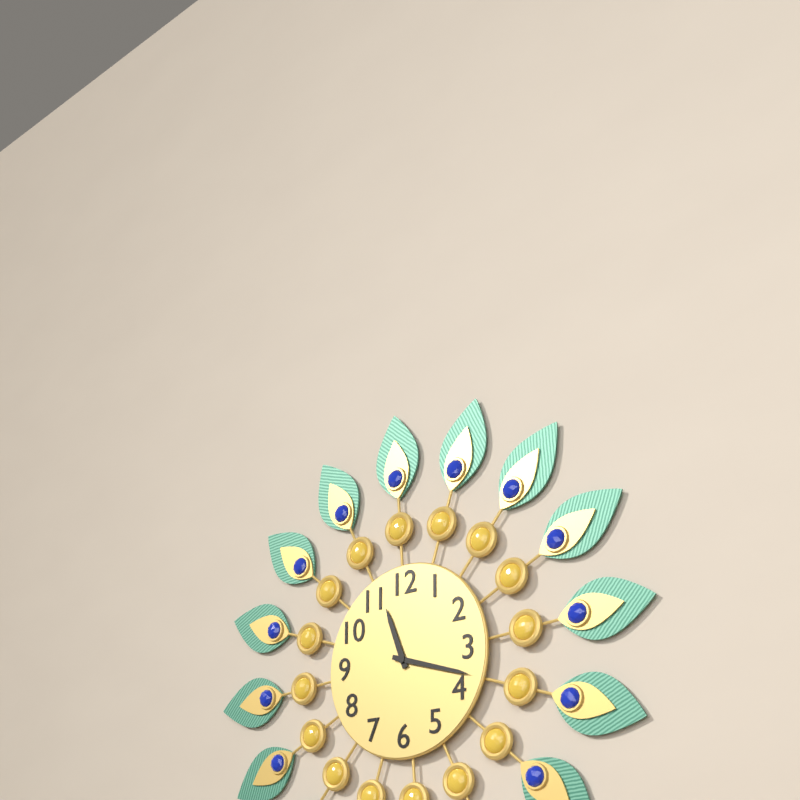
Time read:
11:18
